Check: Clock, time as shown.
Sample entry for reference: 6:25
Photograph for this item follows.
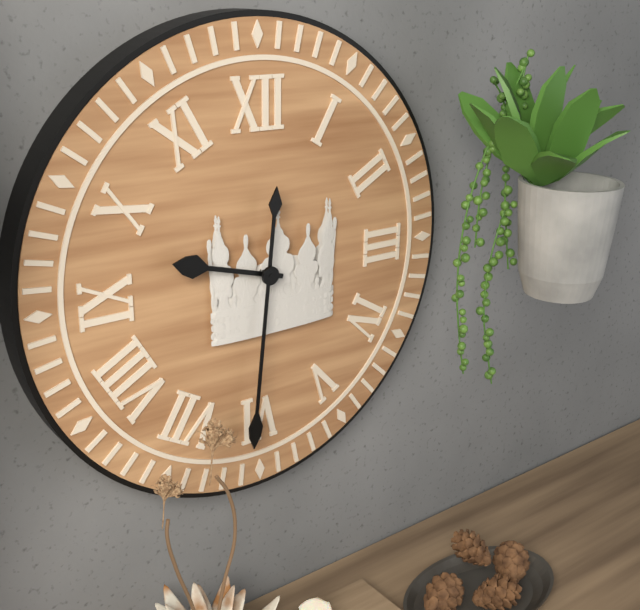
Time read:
9:31
